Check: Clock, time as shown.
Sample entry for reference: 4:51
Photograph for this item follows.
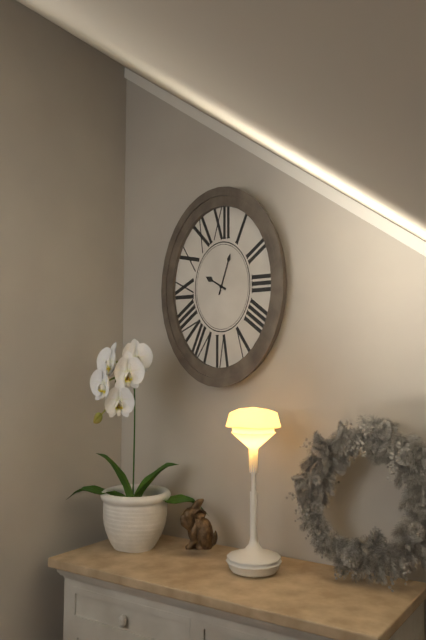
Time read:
10:03
